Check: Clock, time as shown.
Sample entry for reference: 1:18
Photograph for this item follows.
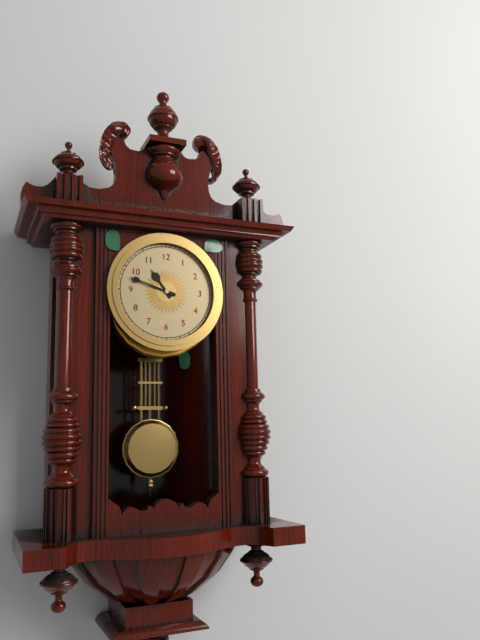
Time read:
10:48
